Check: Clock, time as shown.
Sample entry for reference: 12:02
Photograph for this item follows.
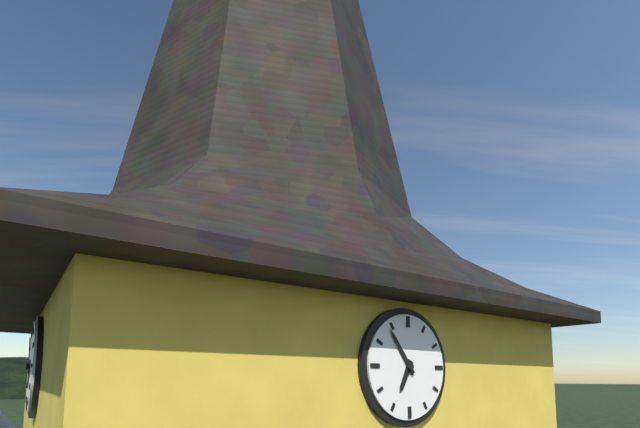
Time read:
6:54
